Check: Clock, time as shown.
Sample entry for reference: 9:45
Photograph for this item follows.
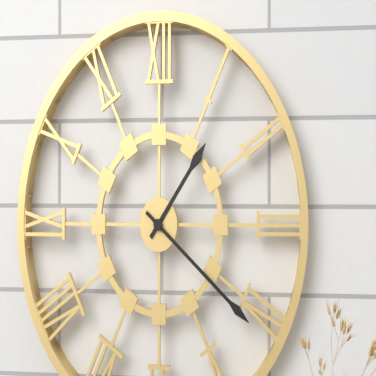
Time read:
1:21
